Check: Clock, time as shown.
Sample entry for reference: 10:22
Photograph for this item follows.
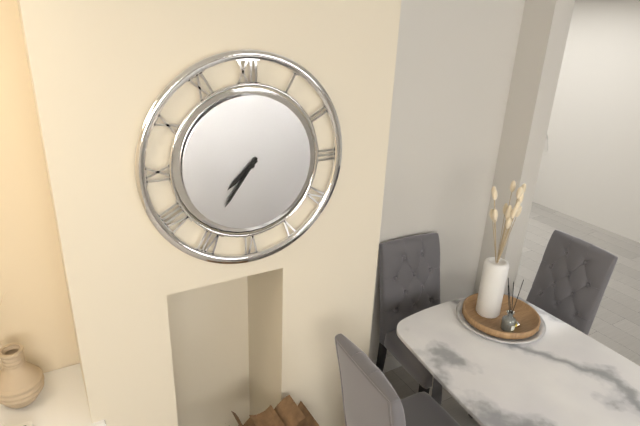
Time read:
7:36
